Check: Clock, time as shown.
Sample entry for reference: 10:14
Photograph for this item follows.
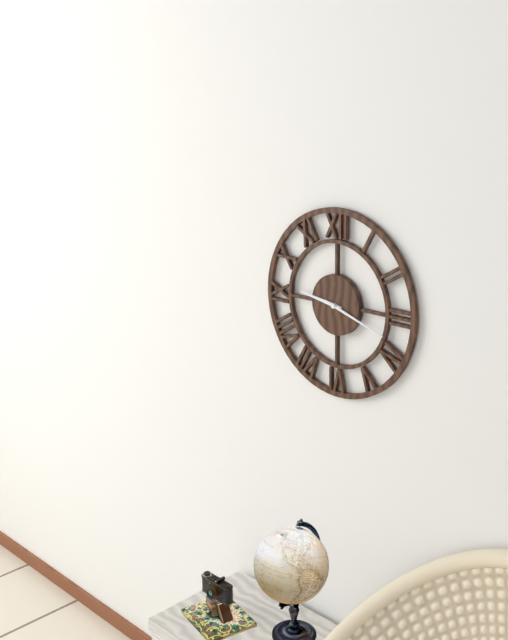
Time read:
9:18
